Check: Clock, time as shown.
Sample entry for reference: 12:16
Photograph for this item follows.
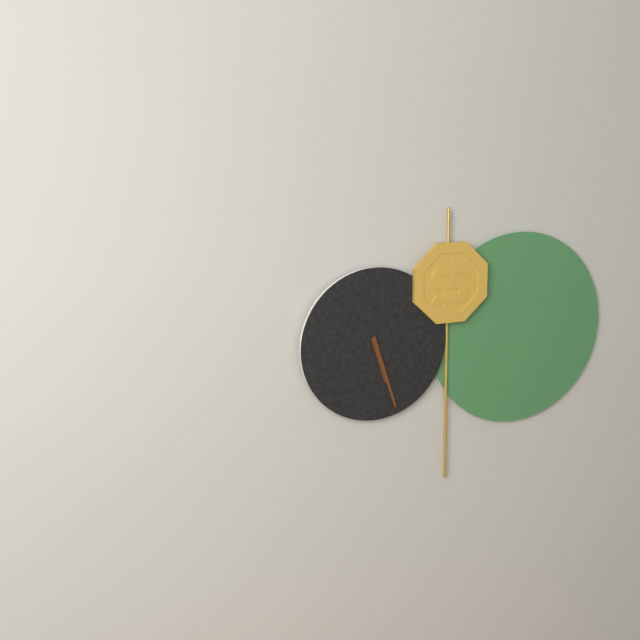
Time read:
5:27
